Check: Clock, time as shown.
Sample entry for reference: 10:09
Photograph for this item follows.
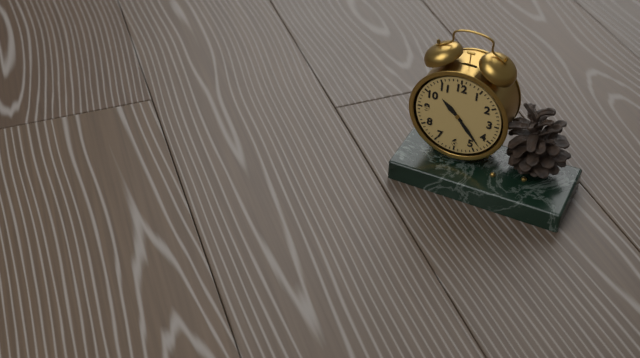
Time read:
10:23
